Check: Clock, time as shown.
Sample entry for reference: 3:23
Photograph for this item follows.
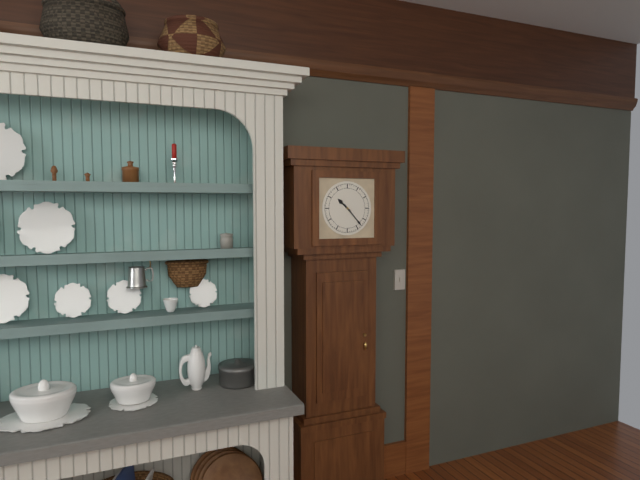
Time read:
10:23
